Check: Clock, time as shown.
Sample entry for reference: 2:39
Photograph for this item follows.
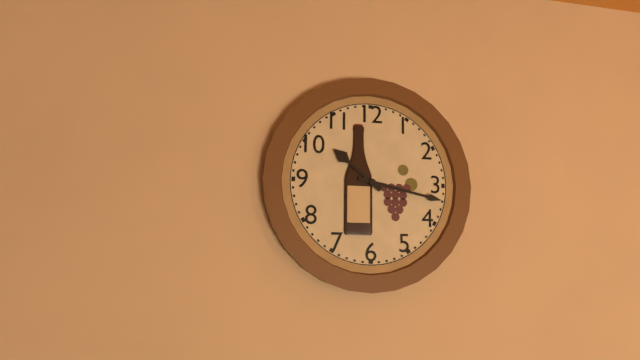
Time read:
10:17
